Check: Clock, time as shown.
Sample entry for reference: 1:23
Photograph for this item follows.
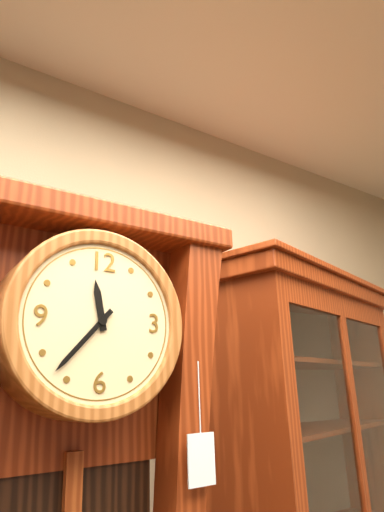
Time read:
11:37
